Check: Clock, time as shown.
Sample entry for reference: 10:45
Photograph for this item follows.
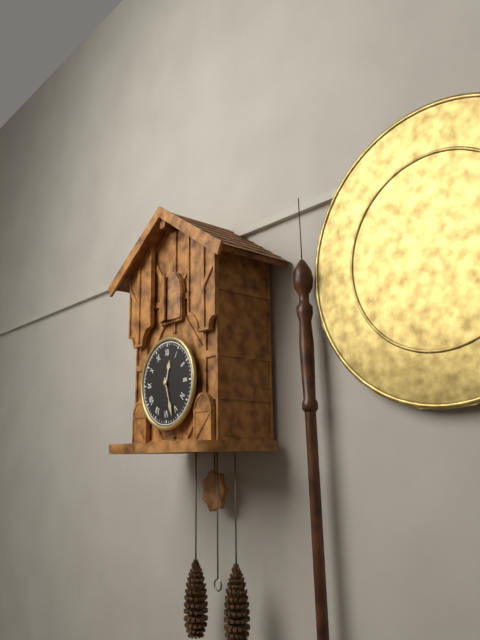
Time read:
12:27
